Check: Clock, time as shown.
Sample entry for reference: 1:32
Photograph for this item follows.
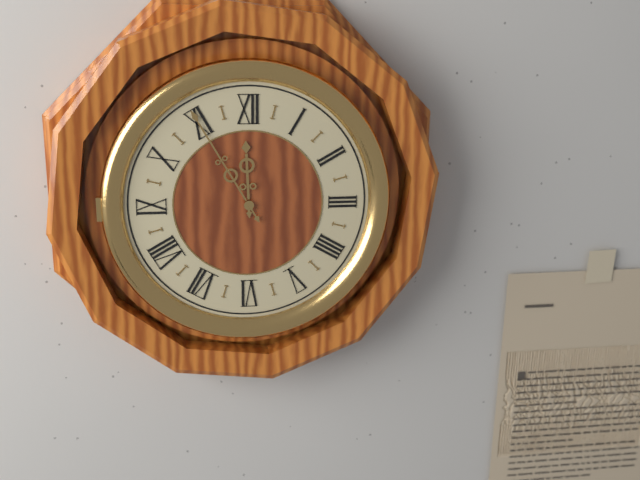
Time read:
11:55
